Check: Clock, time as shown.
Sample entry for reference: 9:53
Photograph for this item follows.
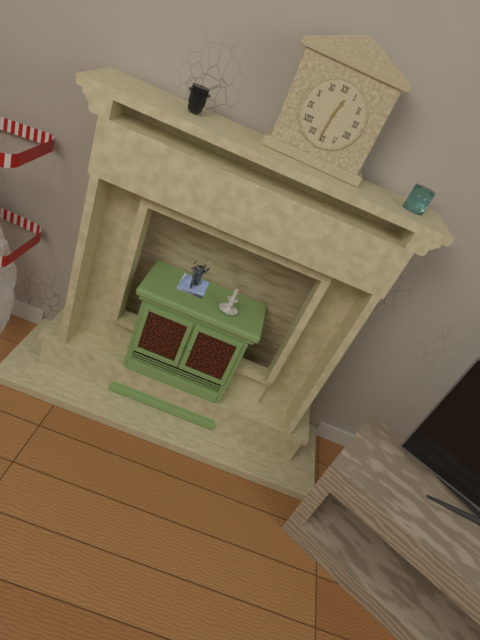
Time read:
12:31
